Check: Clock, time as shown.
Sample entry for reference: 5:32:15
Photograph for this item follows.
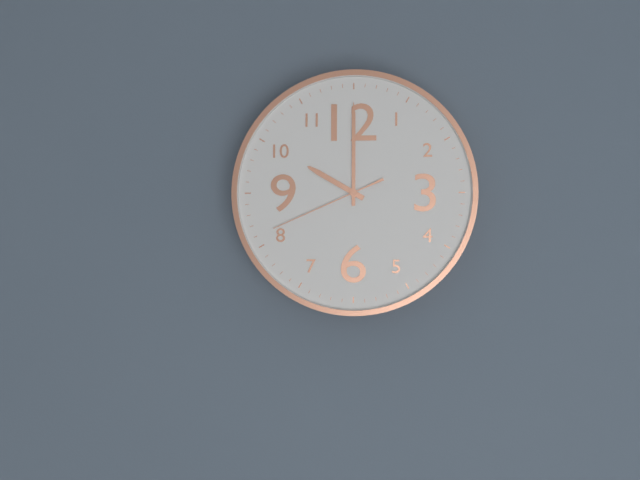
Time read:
10:00:41
